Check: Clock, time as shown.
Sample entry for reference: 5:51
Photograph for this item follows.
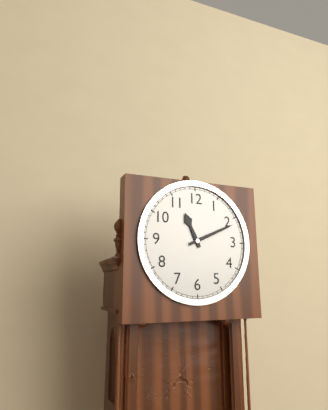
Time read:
11:11
